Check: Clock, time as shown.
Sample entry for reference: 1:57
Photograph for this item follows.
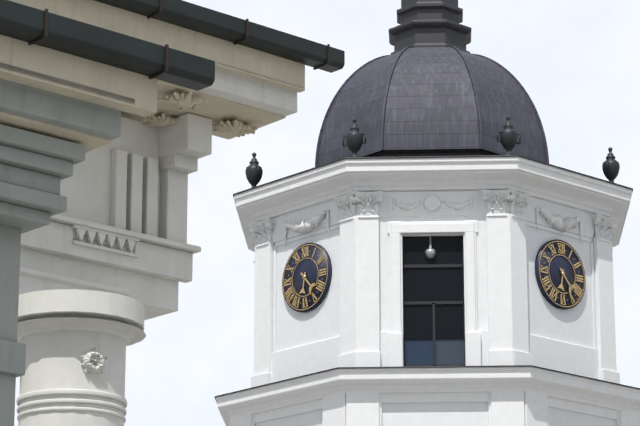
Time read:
6:23
